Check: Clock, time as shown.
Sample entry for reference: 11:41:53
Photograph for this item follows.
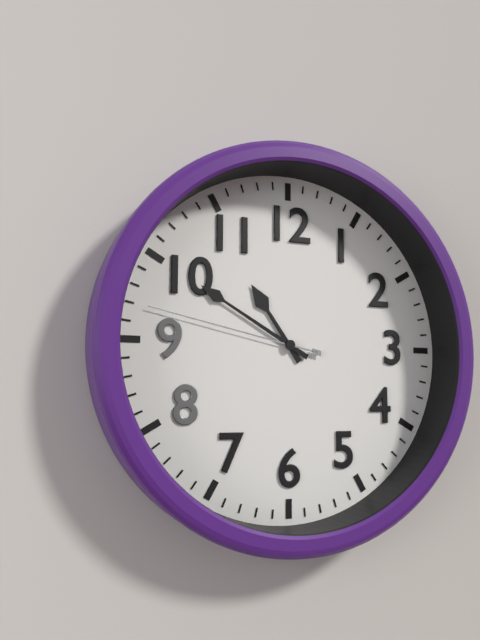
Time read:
10:50:47
